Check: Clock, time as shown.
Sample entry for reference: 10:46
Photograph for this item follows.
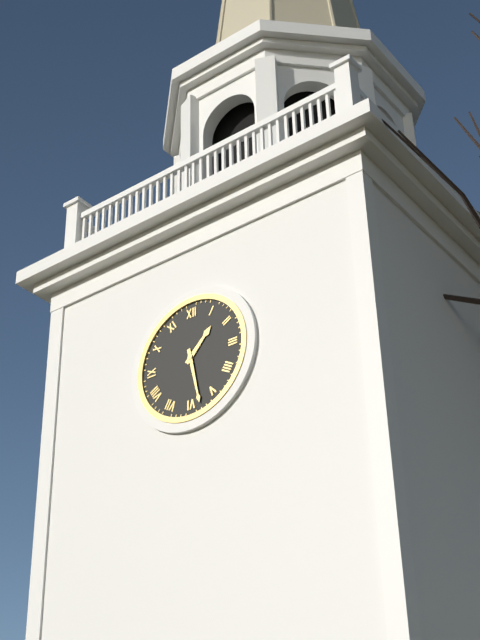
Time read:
1:28
